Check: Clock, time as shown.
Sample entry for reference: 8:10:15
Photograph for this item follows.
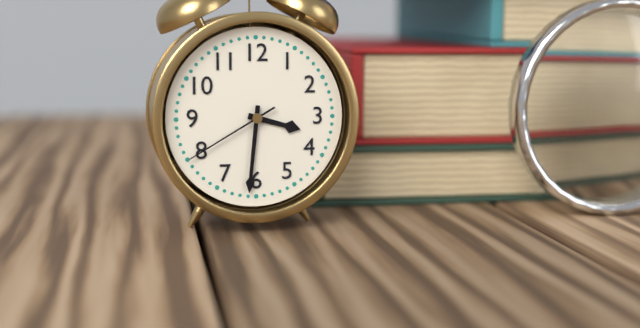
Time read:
3:31:40
